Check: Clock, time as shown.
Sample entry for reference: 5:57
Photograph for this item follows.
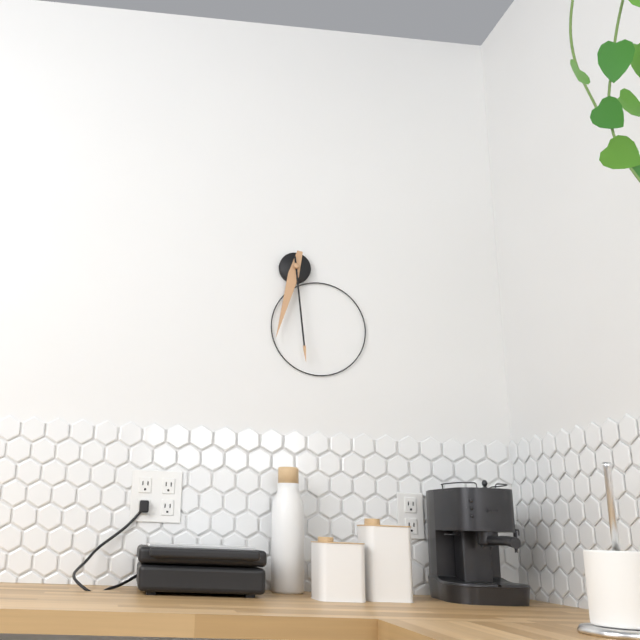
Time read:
6:29
